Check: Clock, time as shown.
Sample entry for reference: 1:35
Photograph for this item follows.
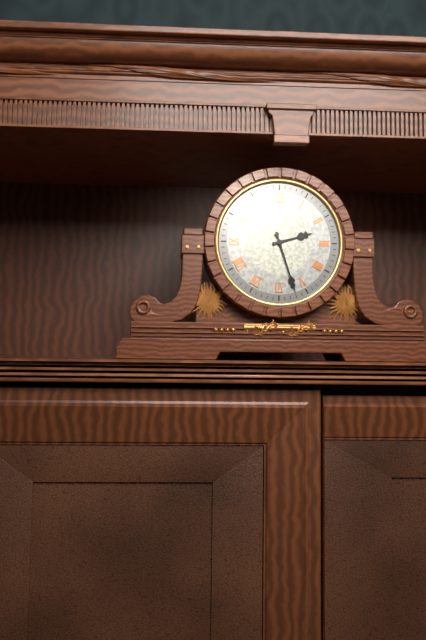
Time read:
2:27
